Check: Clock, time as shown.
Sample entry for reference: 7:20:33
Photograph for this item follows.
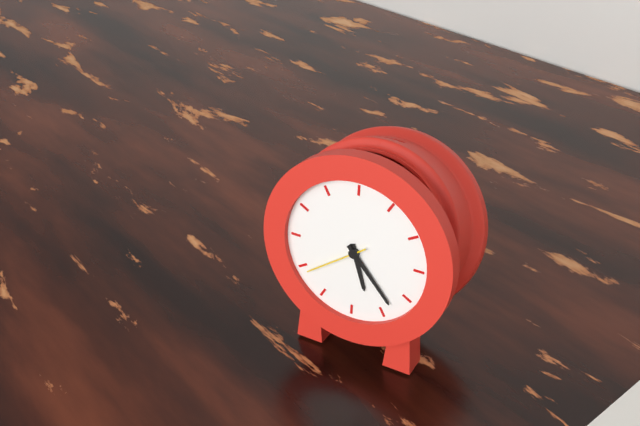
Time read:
5:23:39
